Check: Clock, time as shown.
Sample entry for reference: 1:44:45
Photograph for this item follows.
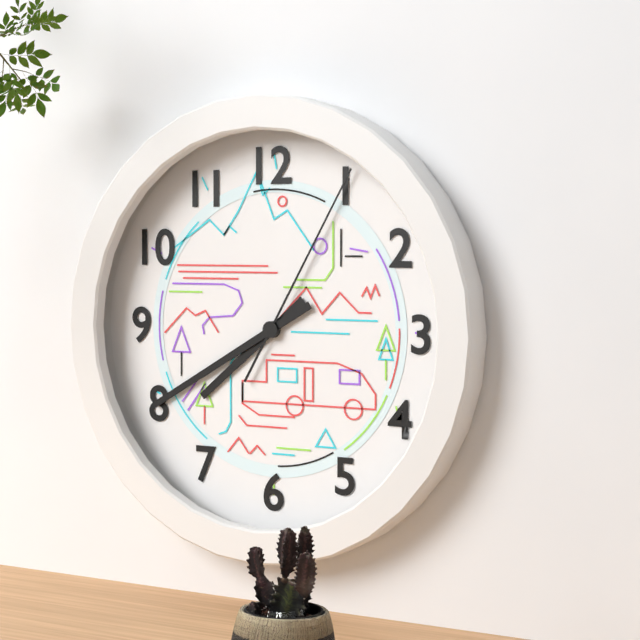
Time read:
7:40:05
